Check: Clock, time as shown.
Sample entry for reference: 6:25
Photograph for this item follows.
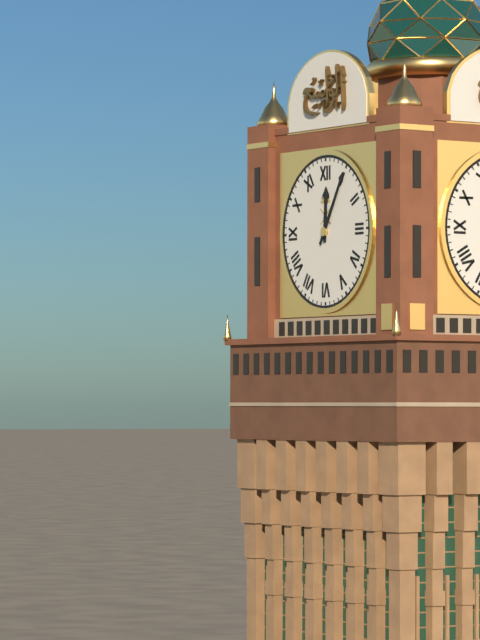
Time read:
12:05
